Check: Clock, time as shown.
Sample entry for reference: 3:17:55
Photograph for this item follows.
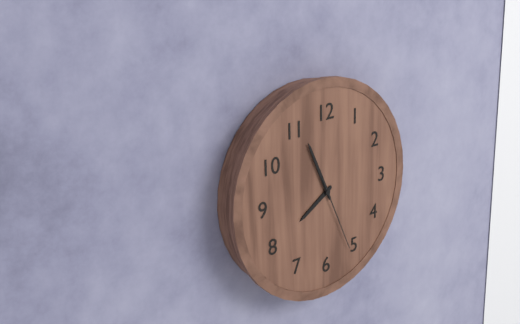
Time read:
7:56:26
